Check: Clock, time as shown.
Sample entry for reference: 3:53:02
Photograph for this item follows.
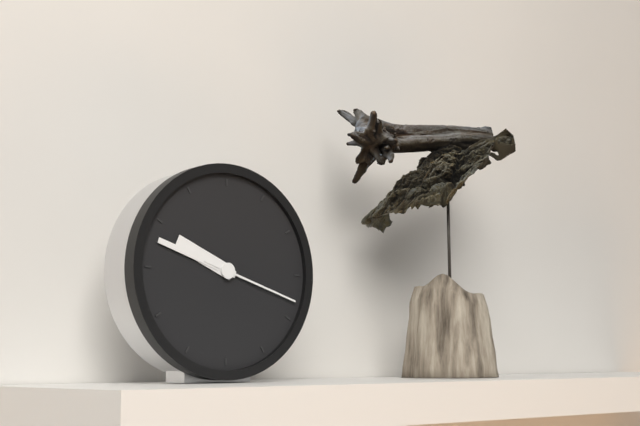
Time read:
9:48:18
